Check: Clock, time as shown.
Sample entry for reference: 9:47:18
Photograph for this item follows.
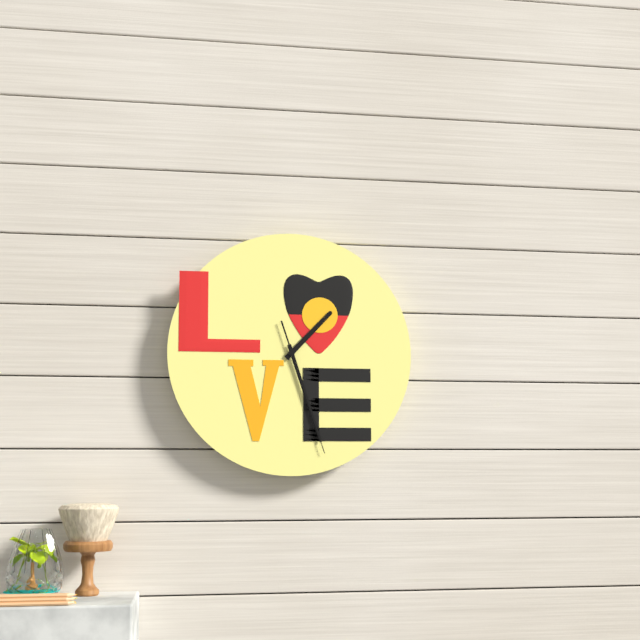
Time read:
1:27:27
